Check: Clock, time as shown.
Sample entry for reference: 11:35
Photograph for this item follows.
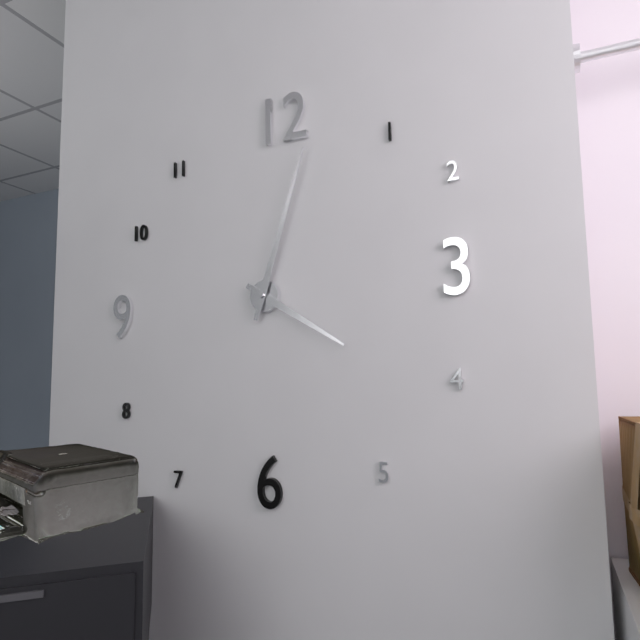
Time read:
4:03
